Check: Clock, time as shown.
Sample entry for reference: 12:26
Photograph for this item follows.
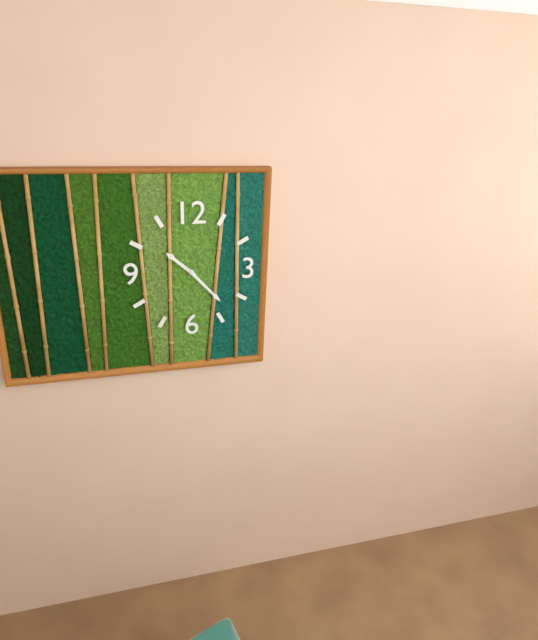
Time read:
10:23
